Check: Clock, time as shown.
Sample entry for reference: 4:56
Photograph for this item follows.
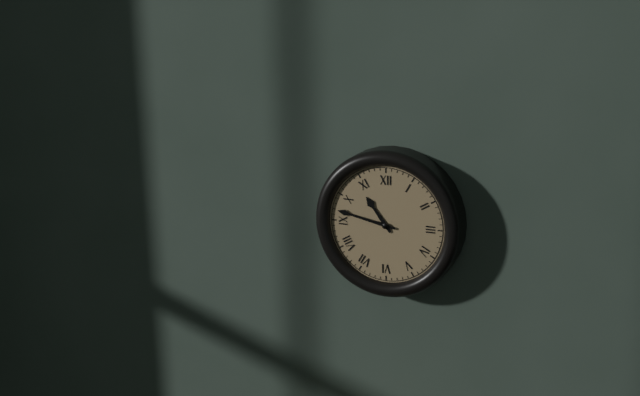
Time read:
10:47
